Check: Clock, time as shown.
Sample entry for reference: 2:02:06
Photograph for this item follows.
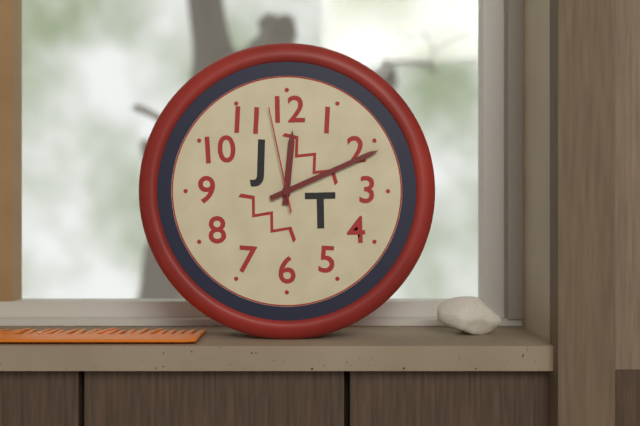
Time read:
12:11:58
